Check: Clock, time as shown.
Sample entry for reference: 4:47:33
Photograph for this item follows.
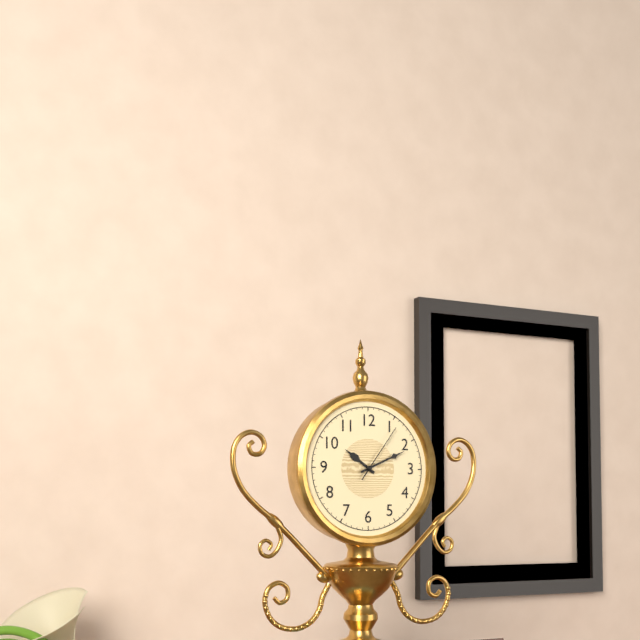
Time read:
10:11:06
